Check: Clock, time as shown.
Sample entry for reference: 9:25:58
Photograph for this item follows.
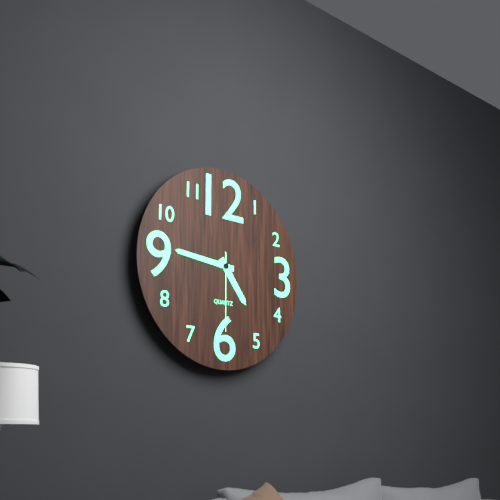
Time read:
4:46:30
